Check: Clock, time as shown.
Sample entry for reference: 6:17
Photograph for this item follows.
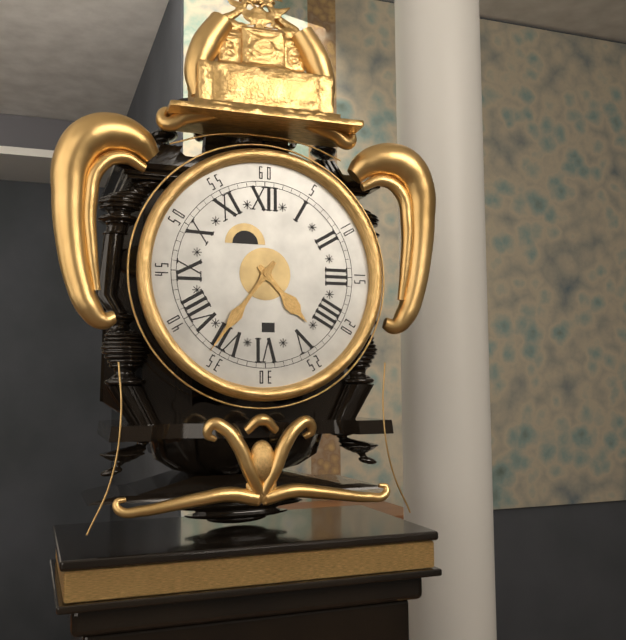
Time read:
4:36
